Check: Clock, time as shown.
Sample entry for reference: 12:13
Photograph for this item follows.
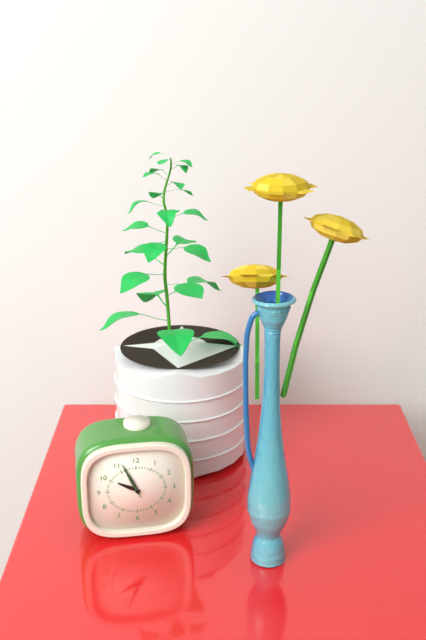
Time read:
9:56
